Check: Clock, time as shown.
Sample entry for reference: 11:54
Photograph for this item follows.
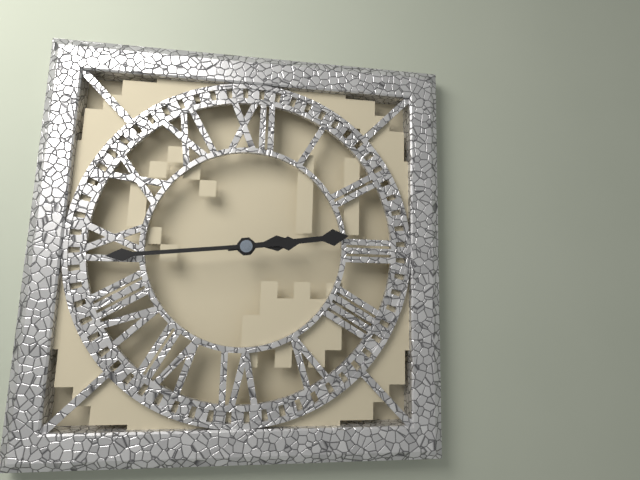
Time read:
2:44
